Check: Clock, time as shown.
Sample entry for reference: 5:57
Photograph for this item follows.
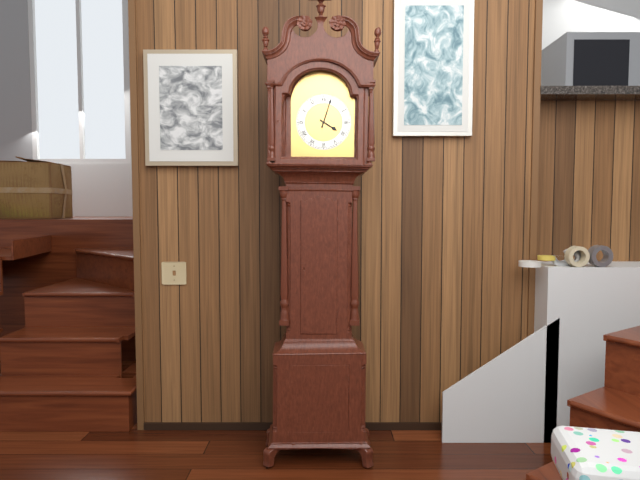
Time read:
4:03
